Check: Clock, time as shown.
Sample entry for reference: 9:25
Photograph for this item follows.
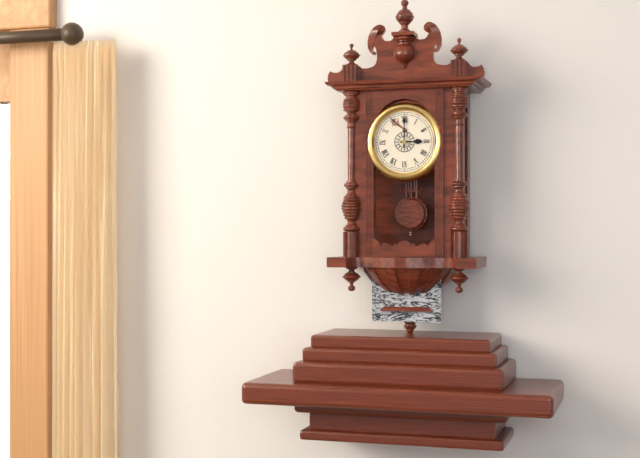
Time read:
3:00
